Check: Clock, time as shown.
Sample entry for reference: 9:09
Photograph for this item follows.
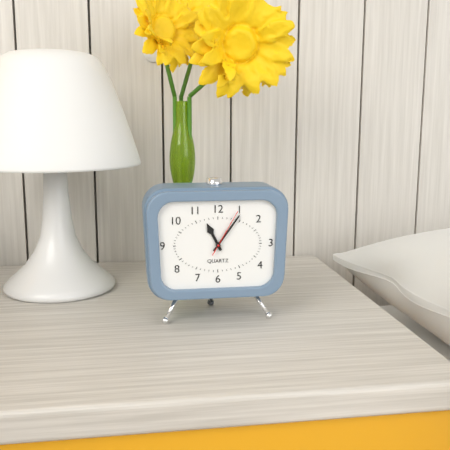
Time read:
11:06
